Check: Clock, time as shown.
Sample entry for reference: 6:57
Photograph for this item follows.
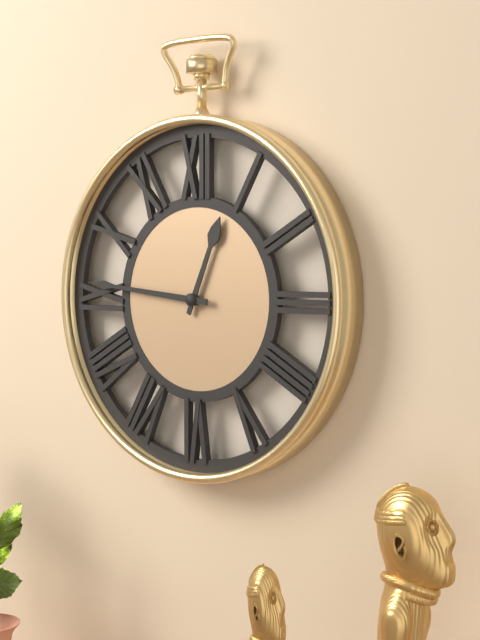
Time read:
12:46
